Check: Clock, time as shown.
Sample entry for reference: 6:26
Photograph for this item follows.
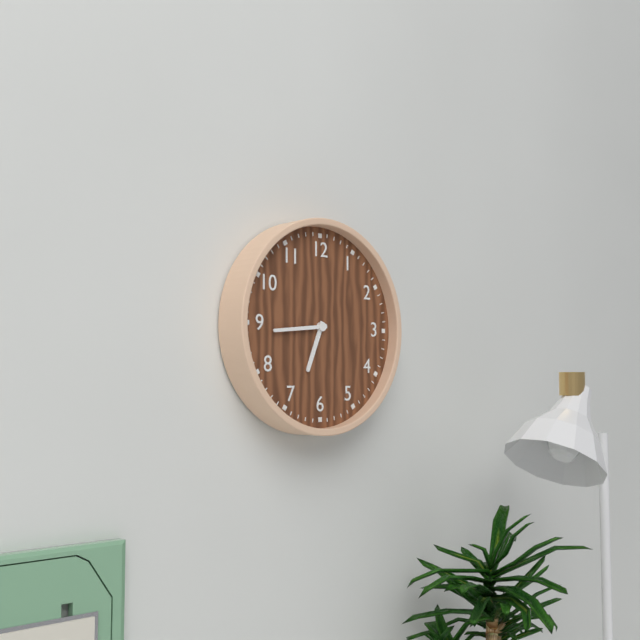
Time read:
6:44
